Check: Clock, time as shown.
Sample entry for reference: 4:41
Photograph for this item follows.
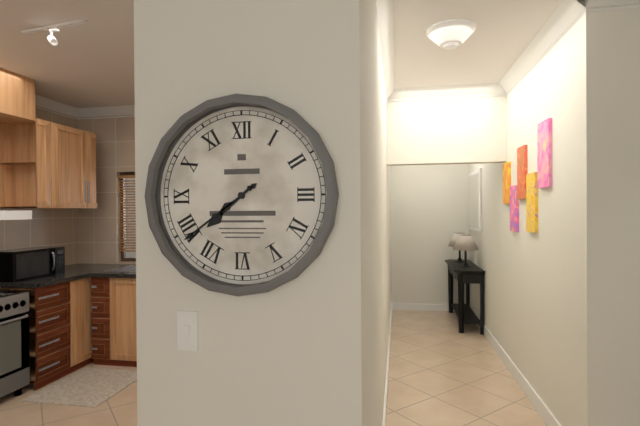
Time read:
7:39
